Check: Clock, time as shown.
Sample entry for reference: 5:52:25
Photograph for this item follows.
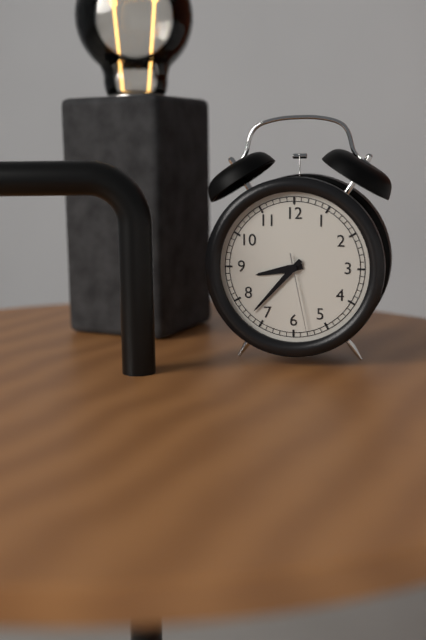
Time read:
8:37:28
